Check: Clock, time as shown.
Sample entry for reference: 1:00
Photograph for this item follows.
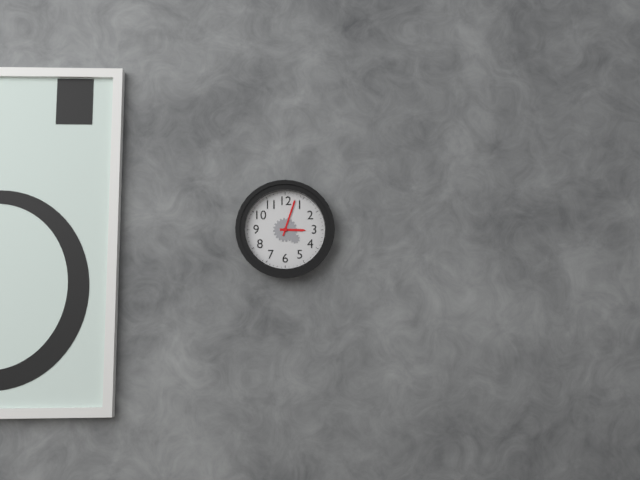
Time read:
3:03
